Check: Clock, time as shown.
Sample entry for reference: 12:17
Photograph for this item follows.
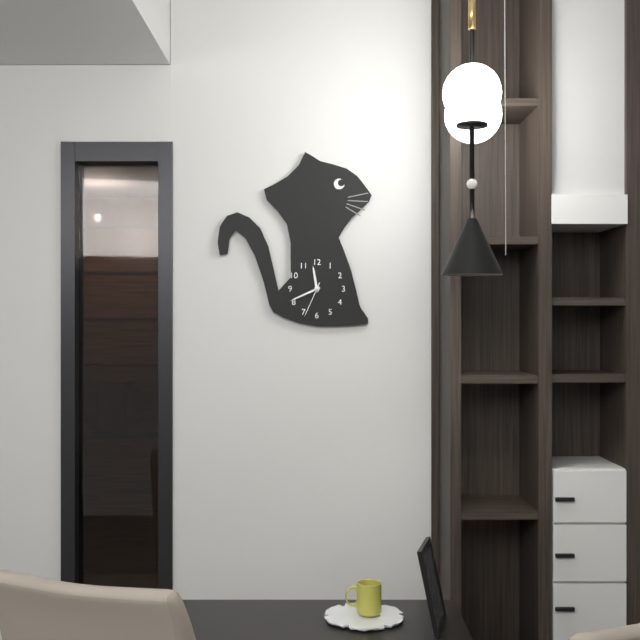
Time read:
11:41
